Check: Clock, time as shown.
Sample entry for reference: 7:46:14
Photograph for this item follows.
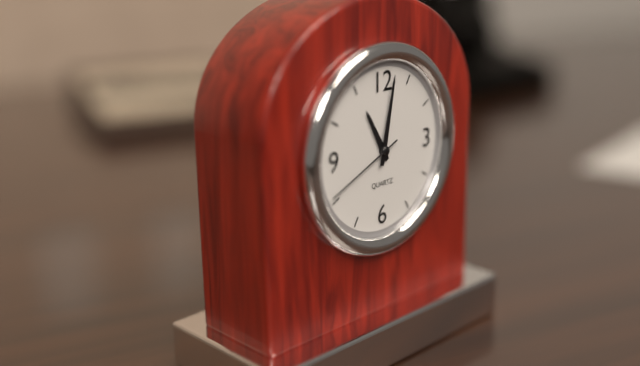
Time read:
11:02:41
